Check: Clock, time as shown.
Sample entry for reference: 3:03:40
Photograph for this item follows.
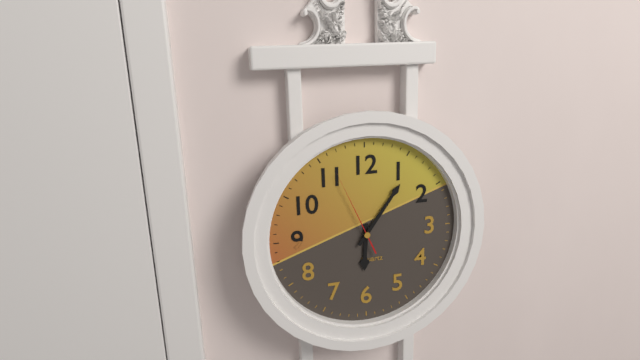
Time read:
6:06:56
